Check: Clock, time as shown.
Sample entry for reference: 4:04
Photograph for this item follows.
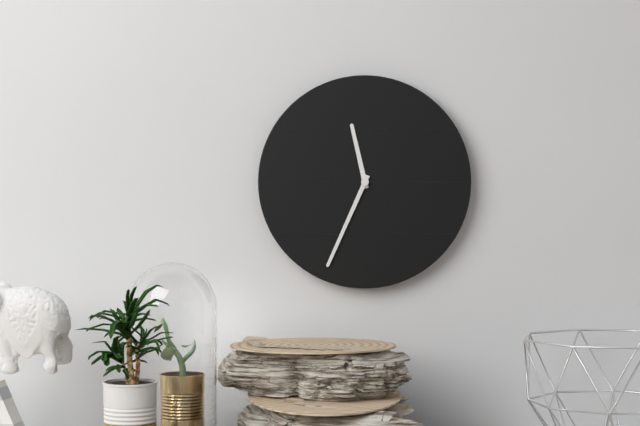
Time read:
11:34
